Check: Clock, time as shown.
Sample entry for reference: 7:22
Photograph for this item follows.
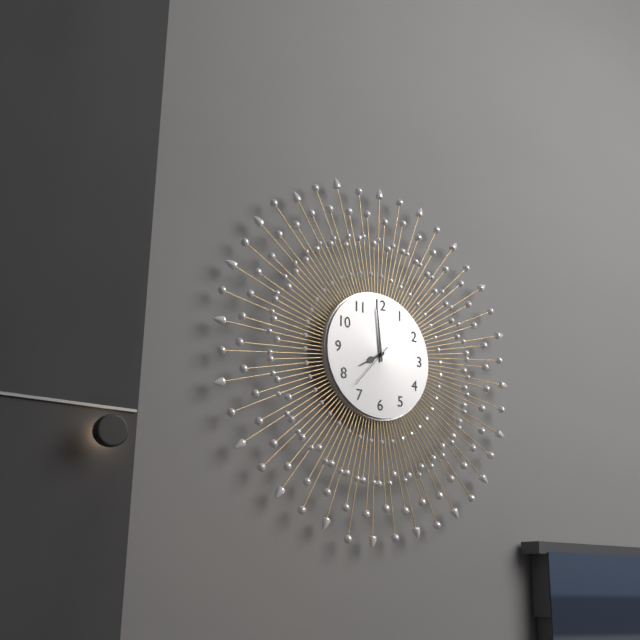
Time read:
7:59
